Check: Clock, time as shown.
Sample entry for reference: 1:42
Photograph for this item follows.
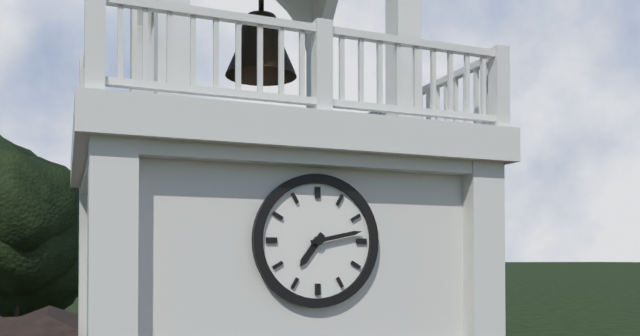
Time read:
7:13
